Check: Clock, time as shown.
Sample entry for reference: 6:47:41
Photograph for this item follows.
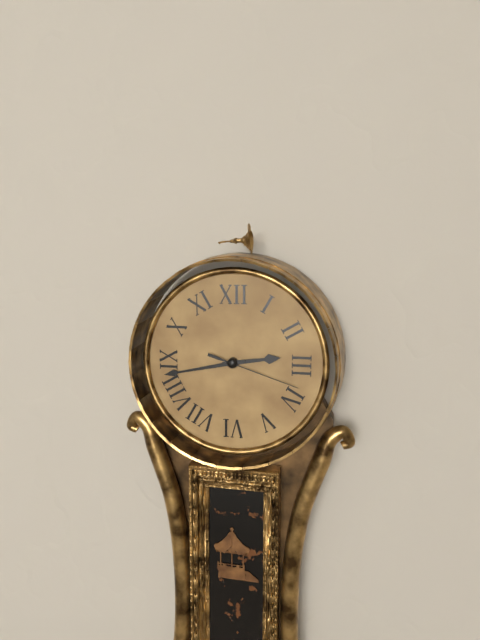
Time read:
2:43:18
